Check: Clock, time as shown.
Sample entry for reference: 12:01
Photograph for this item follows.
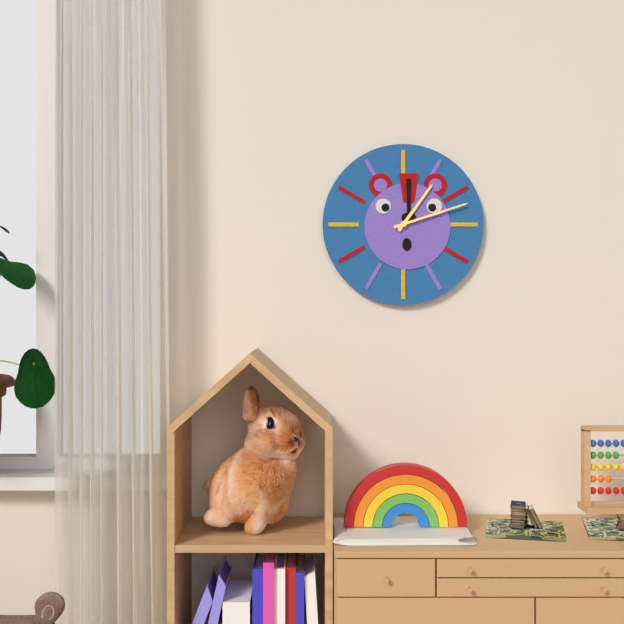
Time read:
1:12
